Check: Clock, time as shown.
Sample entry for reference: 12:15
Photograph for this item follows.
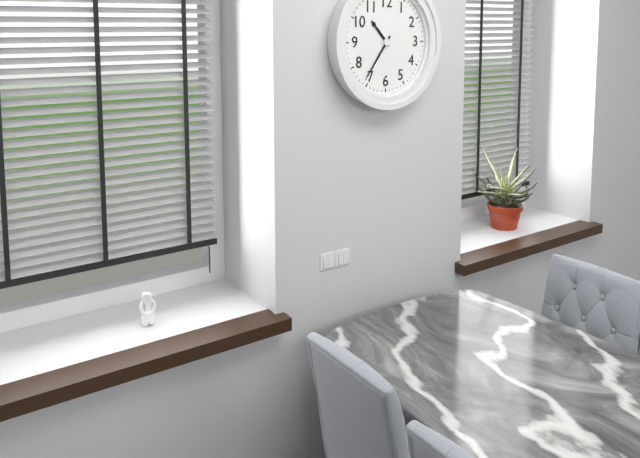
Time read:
10:36
